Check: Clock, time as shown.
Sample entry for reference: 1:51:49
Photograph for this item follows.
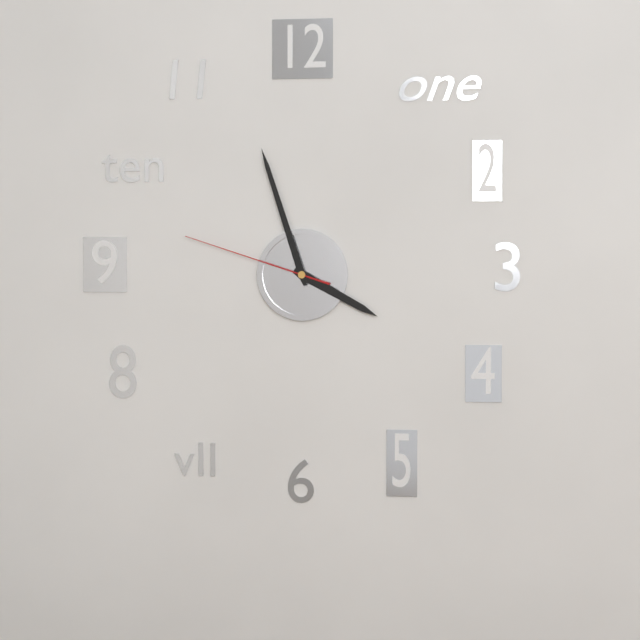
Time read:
3:57:48
